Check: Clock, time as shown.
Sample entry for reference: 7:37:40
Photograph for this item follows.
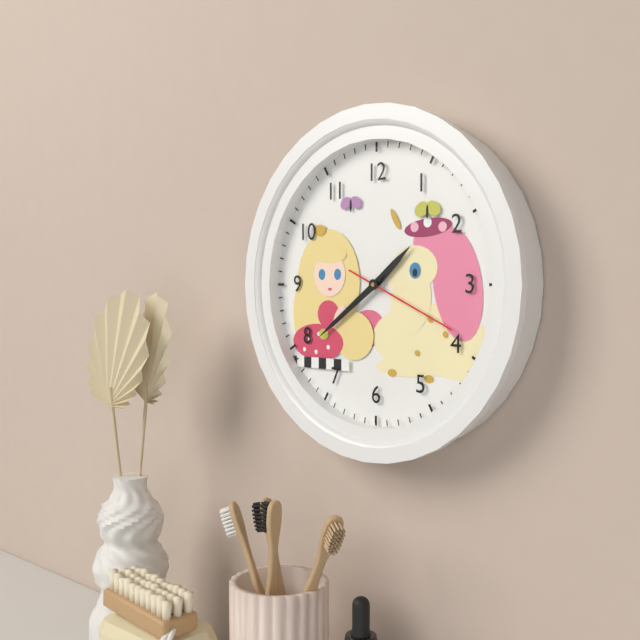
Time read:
1:39:19
